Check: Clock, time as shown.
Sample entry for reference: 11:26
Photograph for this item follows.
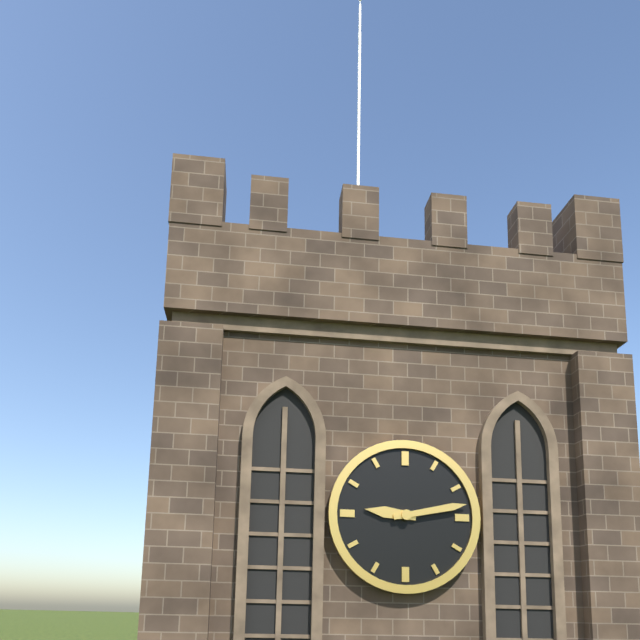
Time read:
9:13
